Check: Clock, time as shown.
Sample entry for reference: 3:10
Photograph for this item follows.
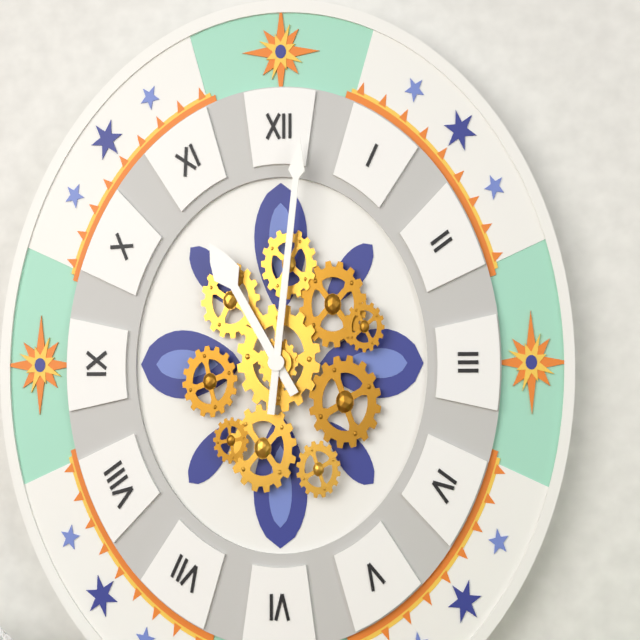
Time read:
11:01
